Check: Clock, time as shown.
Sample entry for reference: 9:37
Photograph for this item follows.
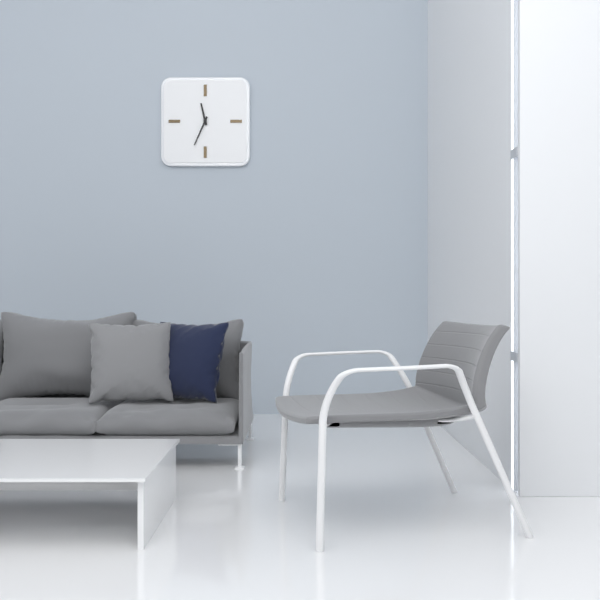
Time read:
11:34
